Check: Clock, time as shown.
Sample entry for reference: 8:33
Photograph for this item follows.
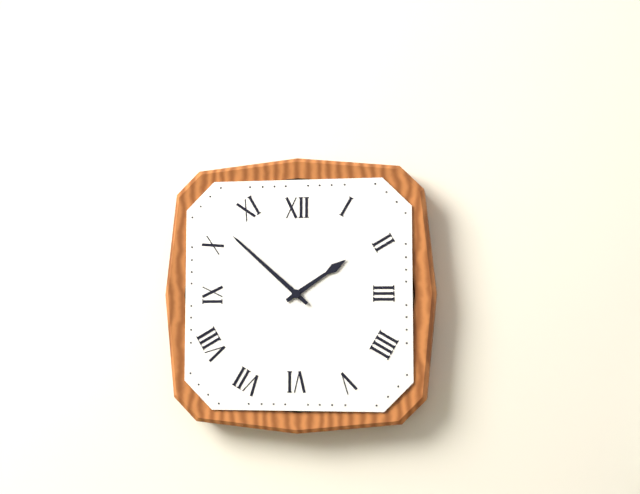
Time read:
1:52
